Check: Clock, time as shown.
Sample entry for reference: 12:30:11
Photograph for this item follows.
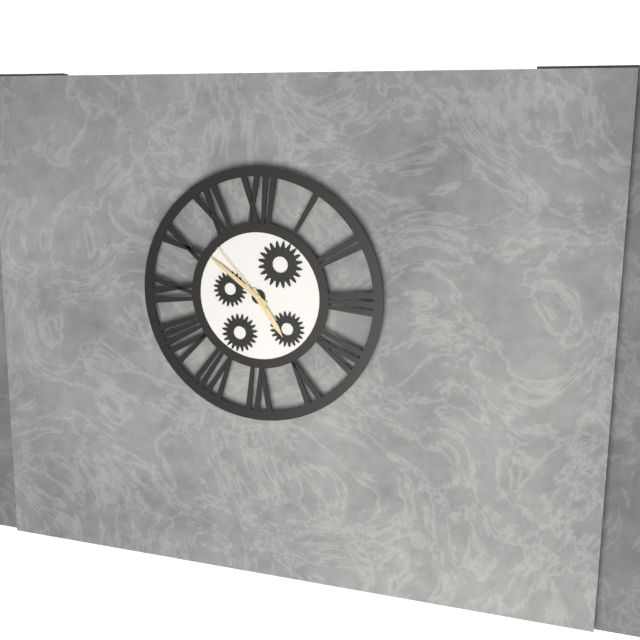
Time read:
4:51:53
